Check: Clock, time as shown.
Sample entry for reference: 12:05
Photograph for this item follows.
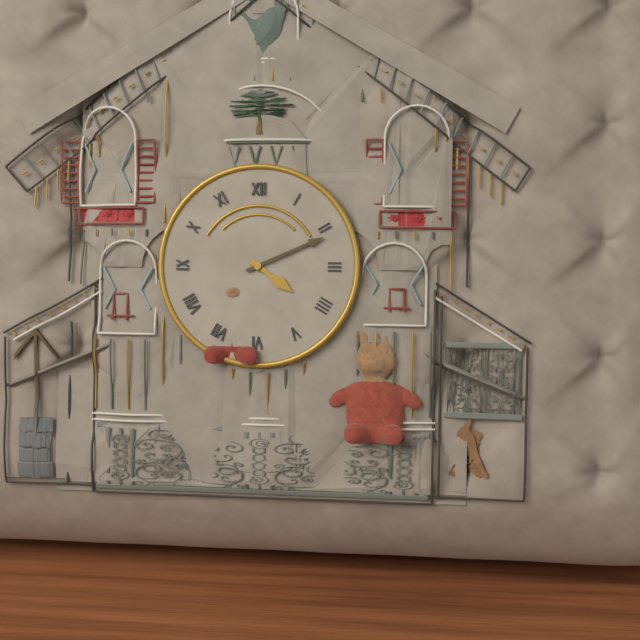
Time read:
4:11
